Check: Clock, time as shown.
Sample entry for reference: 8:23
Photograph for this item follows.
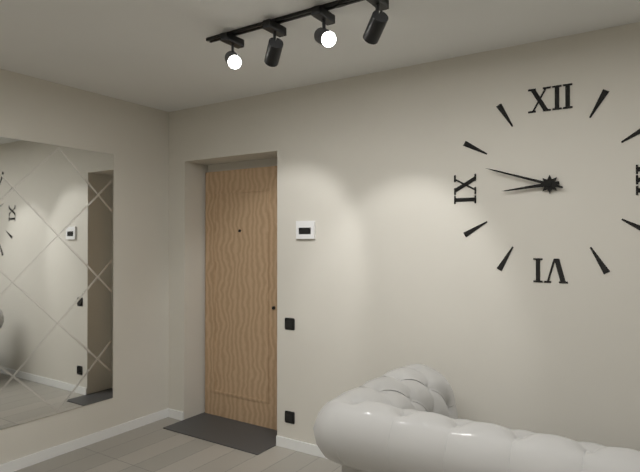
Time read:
8:48
